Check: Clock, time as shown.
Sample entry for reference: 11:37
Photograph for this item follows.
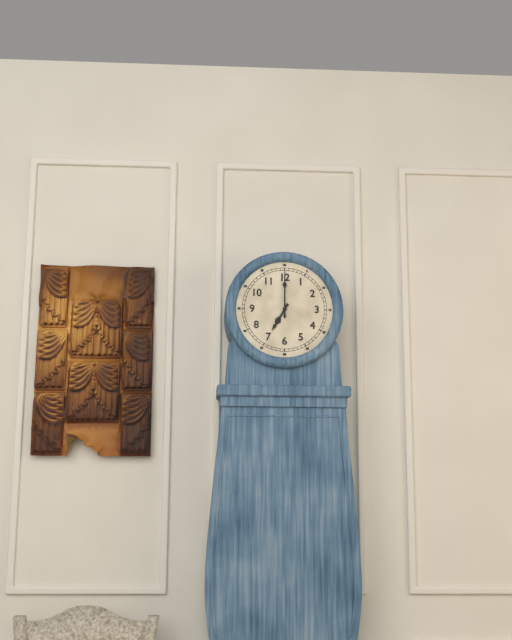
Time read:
7:00
